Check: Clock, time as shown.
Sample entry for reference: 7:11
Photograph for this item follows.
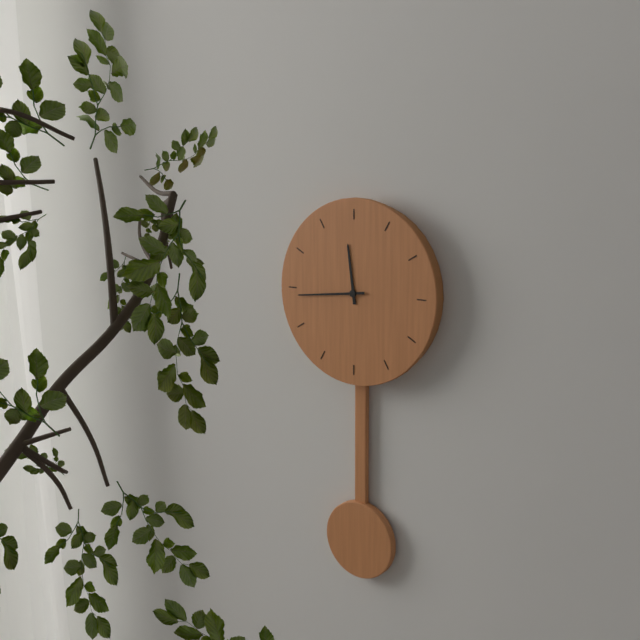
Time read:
11:44
